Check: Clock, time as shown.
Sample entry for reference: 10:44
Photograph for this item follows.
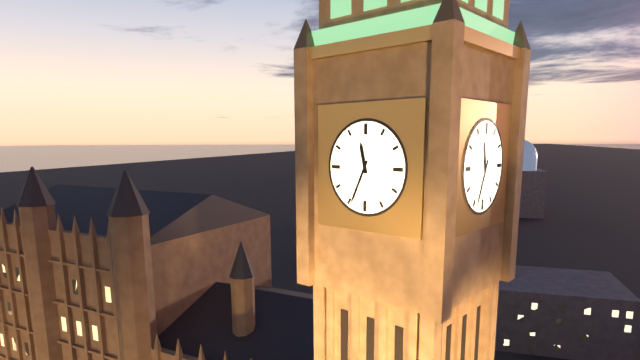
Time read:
11:34
